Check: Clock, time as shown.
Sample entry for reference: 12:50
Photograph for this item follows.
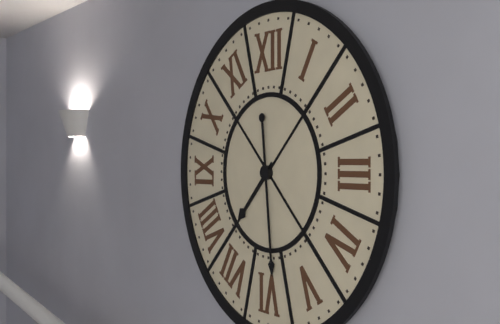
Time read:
7:29
